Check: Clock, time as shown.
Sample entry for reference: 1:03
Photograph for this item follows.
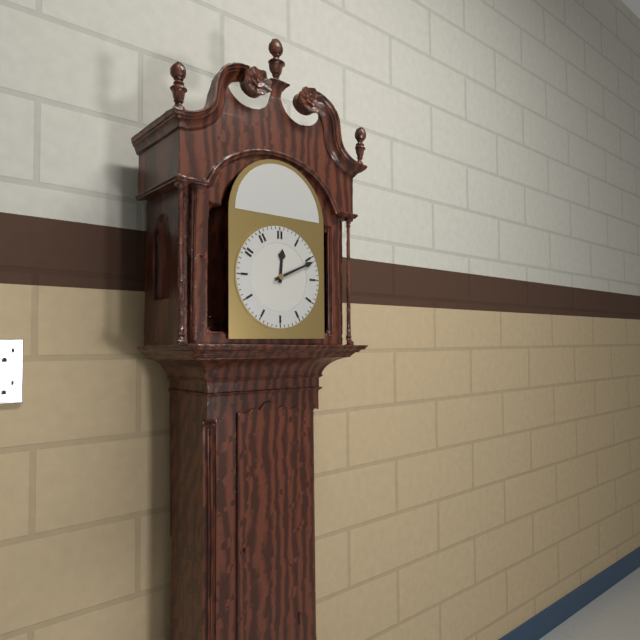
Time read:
12:11
